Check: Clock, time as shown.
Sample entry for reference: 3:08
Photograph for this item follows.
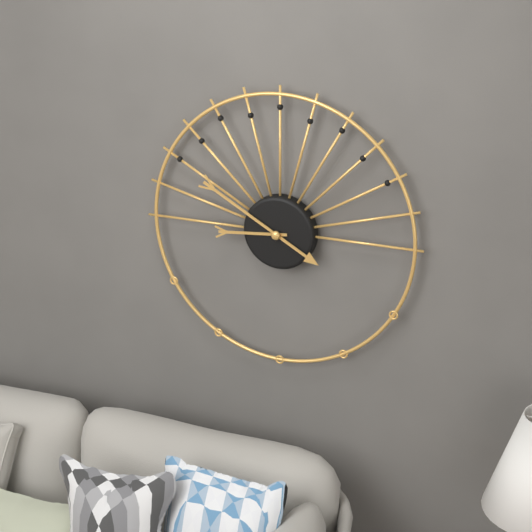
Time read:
8:50
